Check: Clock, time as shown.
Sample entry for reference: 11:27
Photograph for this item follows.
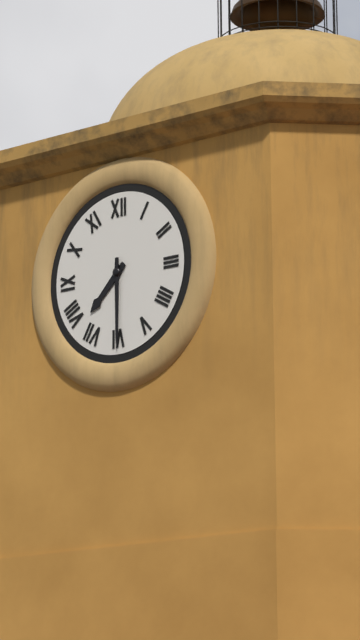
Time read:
7:30
